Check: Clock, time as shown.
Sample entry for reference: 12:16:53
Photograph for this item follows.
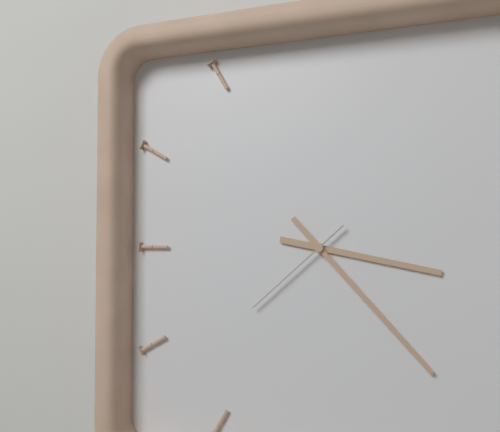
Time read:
3:23:38
